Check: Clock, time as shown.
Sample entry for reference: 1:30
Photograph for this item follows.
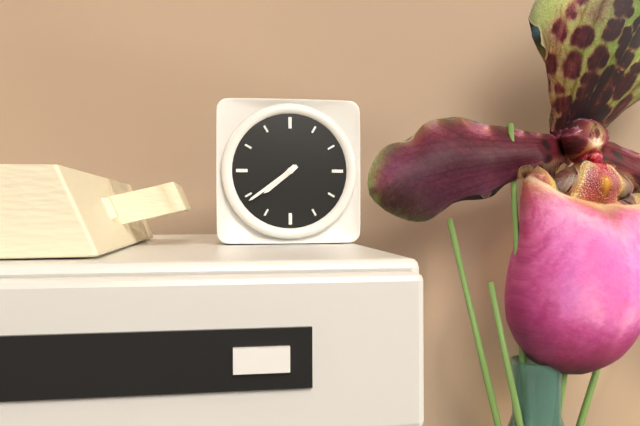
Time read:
7:39
